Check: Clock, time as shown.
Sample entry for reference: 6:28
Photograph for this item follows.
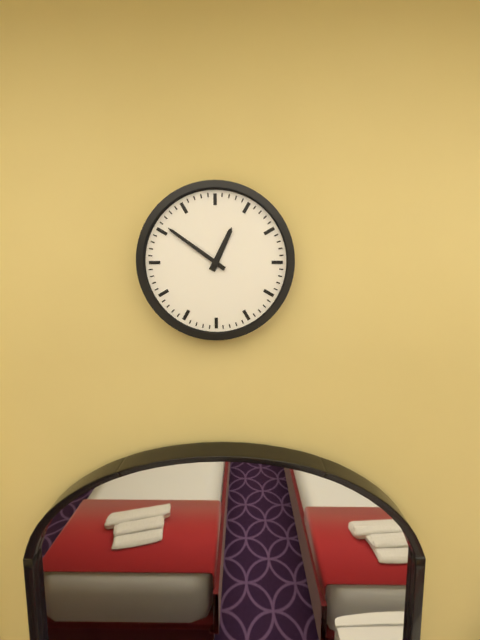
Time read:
12:51
